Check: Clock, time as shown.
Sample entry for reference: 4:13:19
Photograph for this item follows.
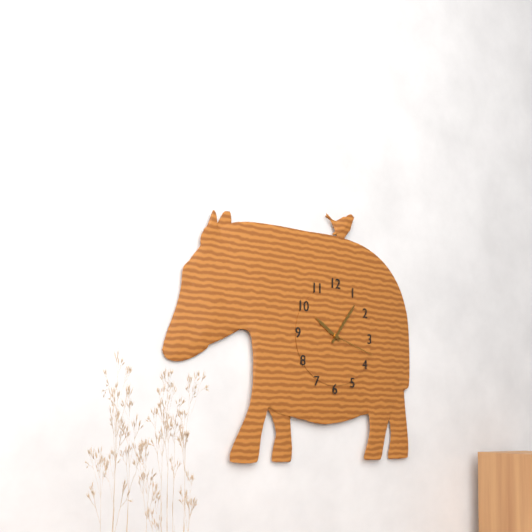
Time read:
10:06:18
